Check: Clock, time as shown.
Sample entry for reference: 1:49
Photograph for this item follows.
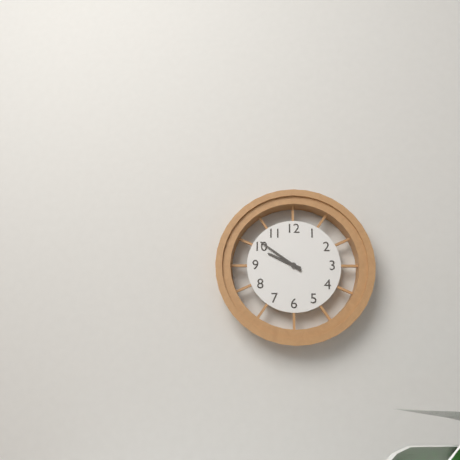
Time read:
9:51
